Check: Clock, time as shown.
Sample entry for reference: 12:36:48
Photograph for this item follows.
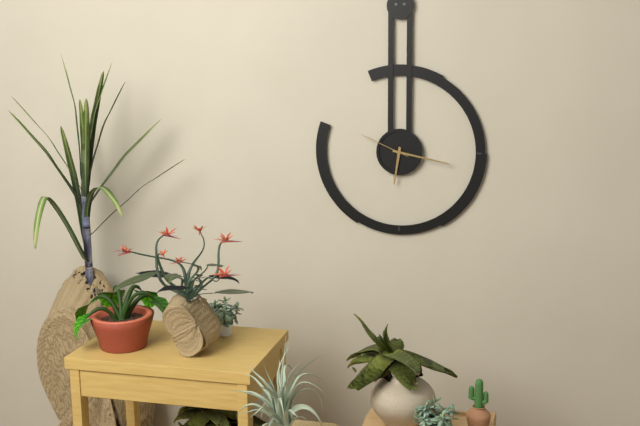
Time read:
6:17:49
